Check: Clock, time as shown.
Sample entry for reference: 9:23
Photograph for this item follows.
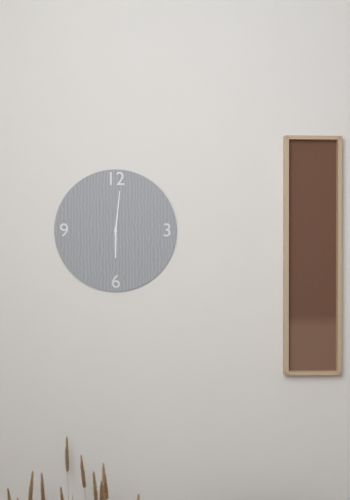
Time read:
6:01
